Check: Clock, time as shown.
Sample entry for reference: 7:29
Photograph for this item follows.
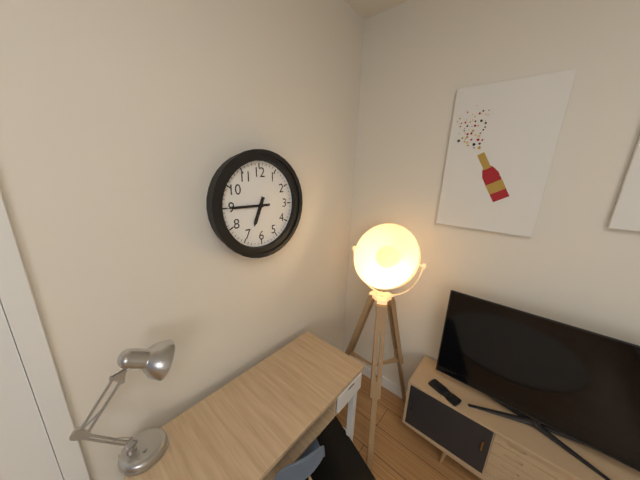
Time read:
6:45
